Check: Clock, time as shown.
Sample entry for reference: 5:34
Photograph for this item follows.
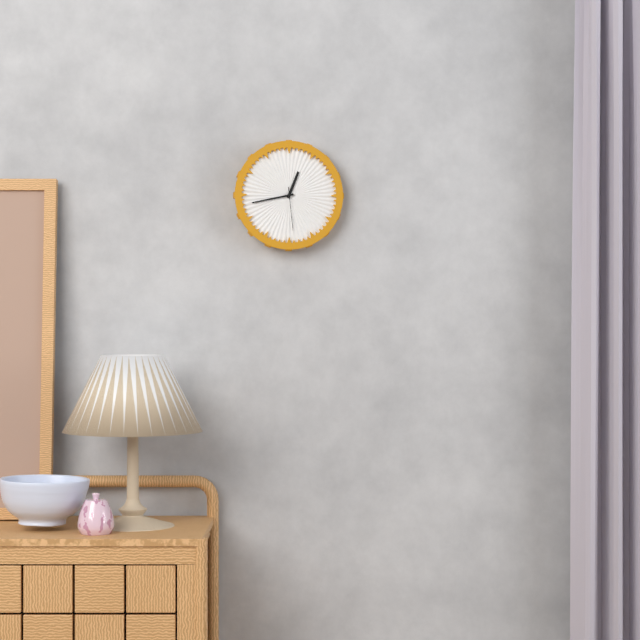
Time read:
12:43
